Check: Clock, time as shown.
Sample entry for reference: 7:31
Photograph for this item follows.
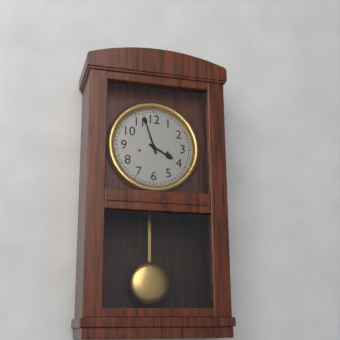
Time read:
3:57
